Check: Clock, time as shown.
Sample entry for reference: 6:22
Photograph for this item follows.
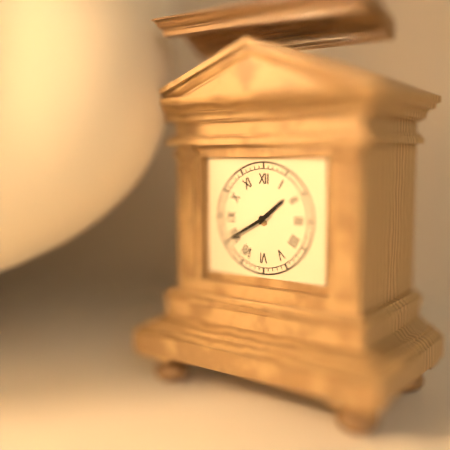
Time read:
1:40
